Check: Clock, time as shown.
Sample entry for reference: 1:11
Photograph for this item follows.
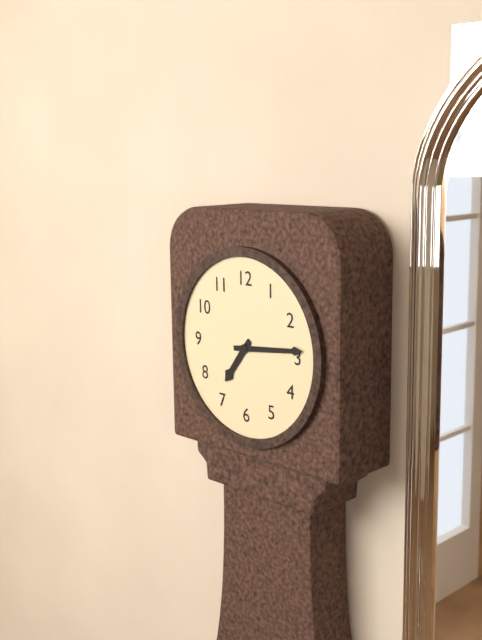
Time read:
7:14
